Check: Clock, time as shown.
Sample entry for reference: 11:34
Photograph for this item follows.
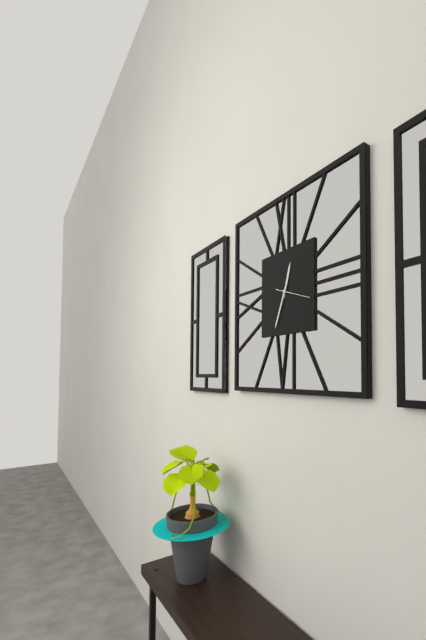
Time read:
12:34
